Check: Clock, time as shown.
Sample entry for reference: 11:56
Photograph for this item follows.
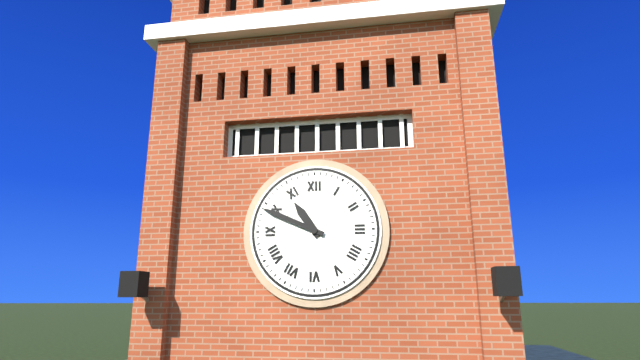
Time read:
10:49
